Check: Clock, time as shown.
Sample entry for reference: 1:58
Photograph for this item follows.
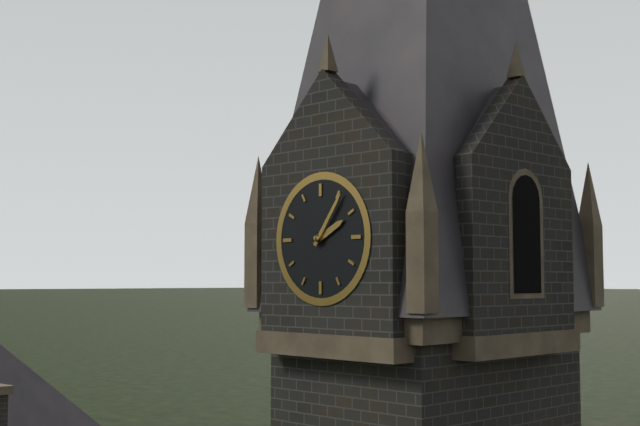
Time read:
2:06
